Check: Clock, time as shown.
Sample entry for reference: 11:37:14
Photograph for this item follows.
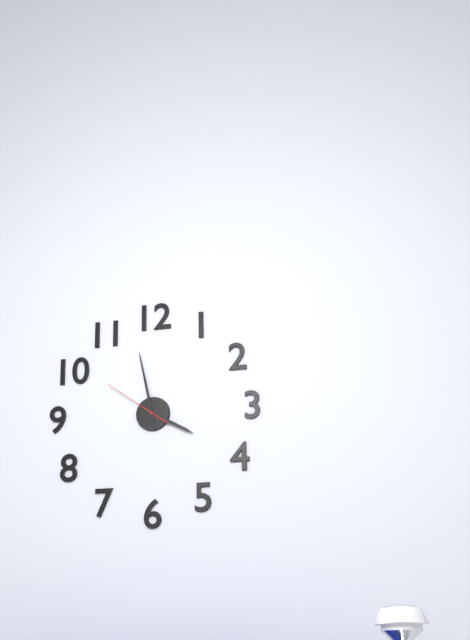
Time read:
3:58:51
